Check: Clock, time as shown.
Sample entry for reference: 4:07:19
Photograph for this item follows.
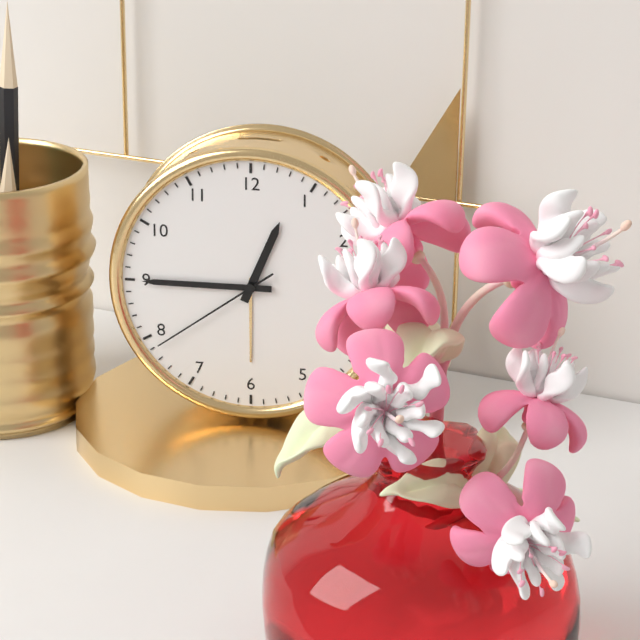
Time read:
12:45:39
